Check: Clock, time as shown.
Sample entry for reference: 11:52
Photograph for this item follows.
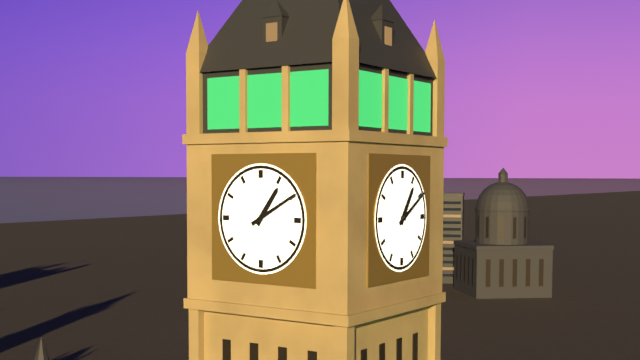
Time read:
1:10
